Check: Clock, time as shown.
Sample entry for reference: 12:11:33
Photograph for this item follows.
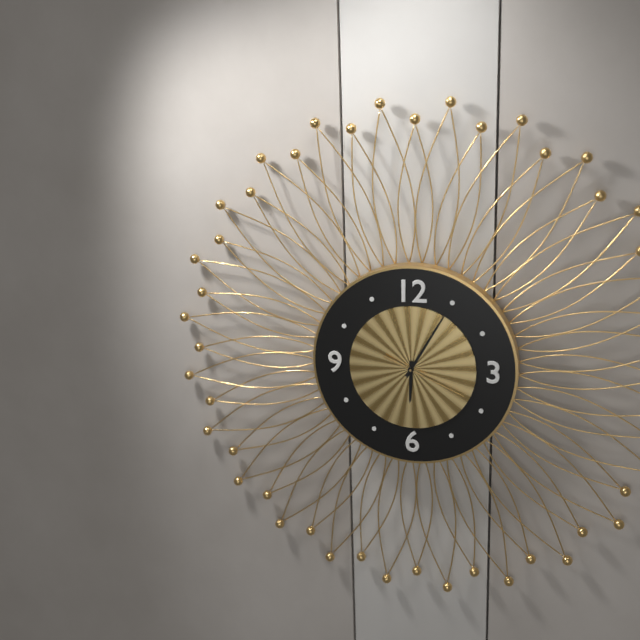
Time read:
6:05:19
